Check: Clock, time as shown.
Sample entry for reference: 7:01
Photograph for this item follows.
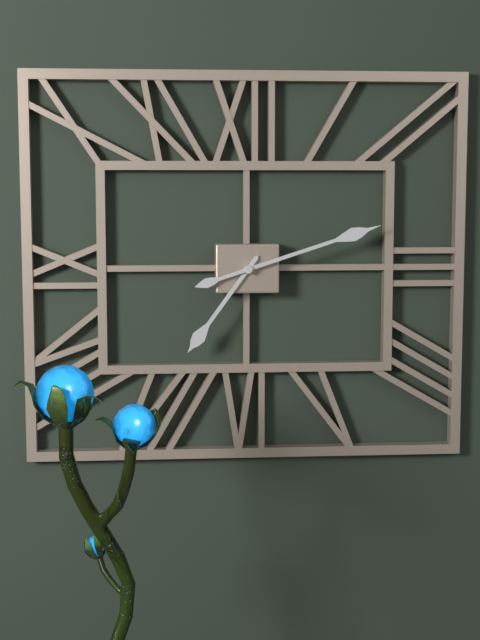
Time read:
7:12
